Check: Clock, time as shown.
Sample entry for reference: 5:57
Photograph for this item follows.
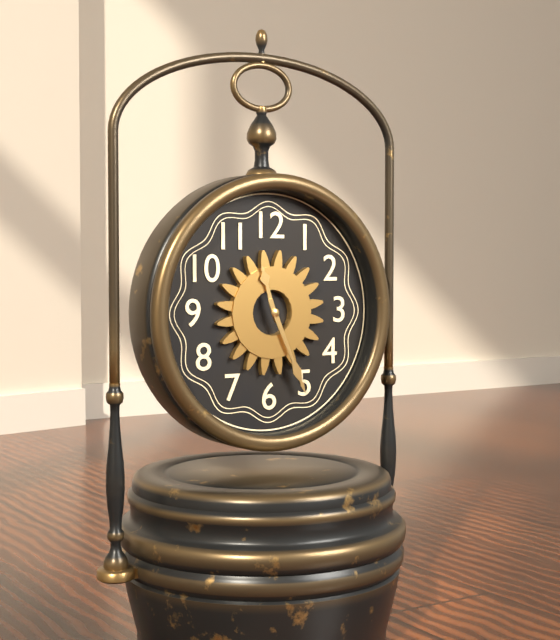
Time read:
11:26
